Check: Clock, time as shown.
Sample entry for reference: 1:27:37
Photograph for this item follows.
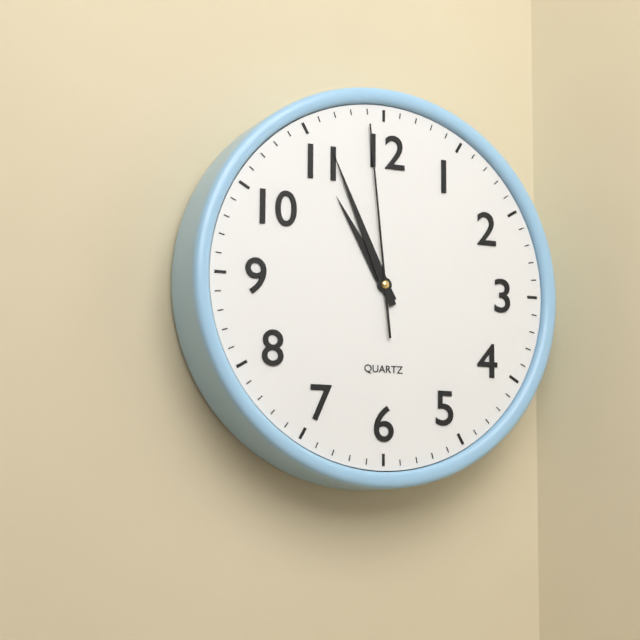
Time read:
10:56:59
